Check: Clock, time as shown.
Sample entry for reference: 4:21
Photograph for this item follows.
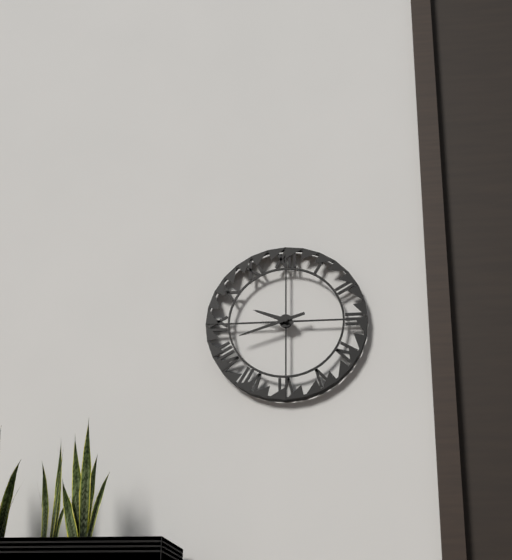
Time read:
9:42
